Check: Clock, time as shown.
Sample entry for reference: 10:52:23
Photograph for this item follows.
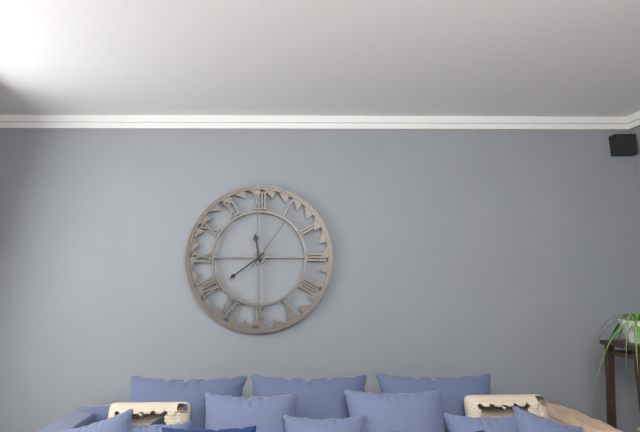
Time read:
11:39:06
